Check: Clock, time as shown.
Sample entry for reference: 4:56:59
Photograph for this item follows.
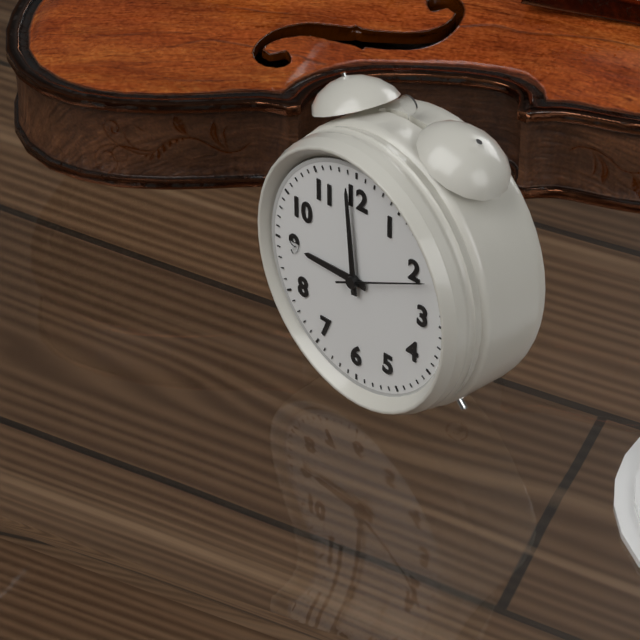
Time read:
8:59:11
